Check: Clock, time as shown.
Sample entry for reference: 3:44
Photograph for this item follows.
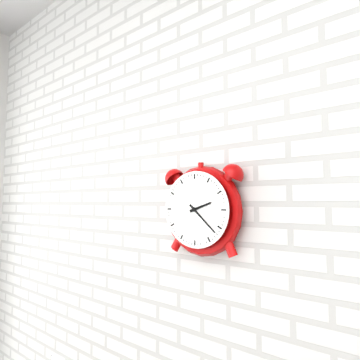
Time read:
2:22
